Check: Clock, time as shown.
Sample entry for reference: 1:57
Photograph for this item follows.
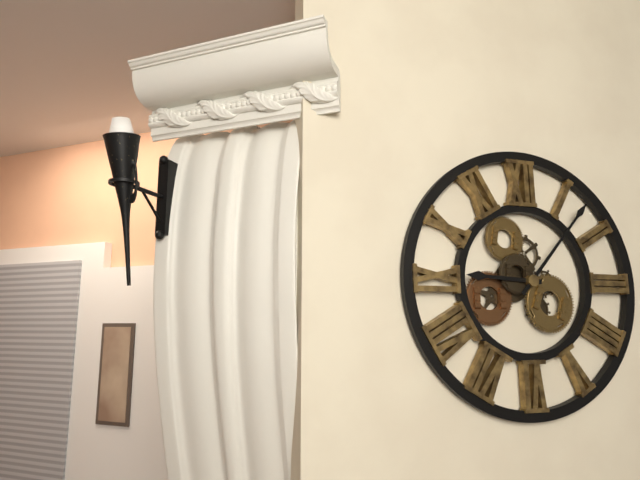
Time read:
9:07
